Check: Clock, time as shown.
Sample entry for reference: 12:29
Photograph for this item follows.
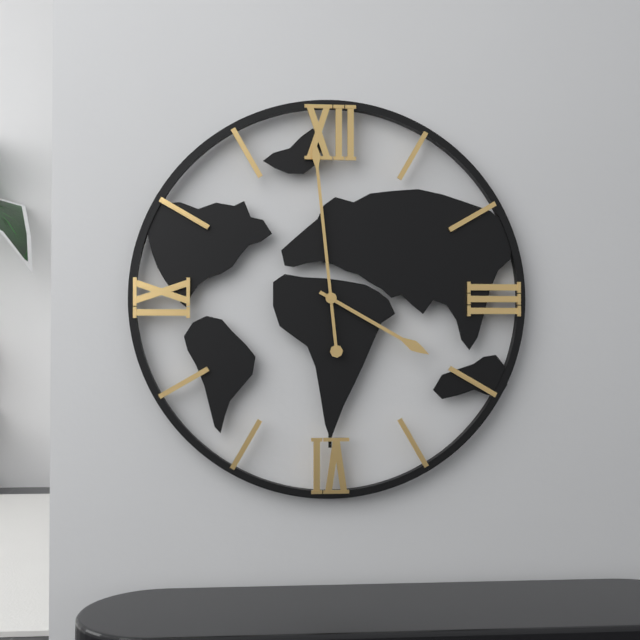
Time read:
3:59
